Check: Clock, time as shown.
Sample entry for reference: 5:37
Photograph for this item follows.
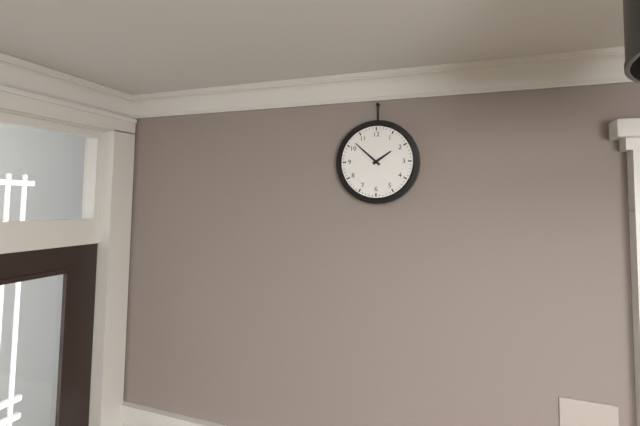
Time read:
1:52
